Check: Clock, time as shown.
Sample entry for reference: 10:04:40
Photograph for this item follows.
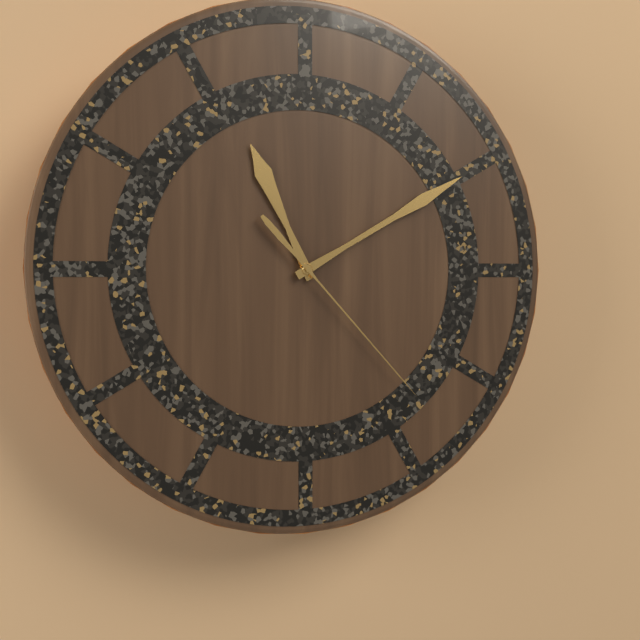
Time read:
11:10:23
